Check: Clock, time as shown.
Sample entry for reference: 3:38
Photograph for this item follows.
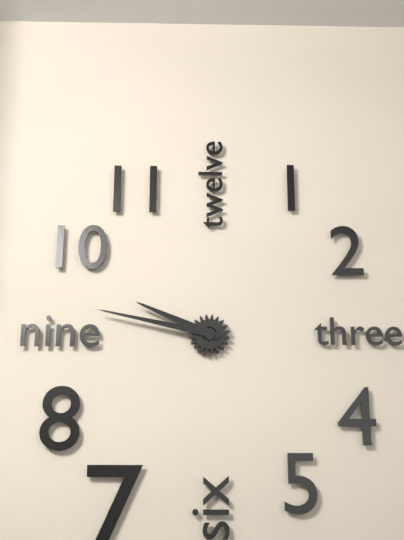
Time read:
9:47
